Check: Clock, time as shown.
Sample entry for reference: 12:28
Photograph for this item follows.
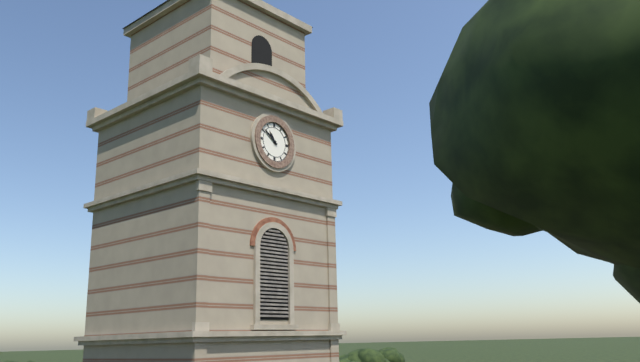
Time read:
10:51
